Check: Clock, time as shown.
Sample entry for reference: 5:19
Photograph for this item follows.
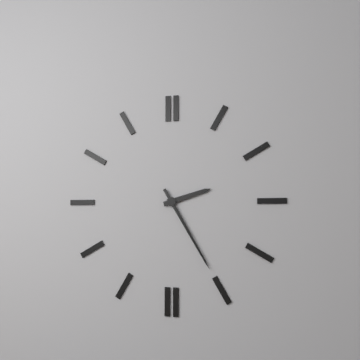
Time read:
2:25
